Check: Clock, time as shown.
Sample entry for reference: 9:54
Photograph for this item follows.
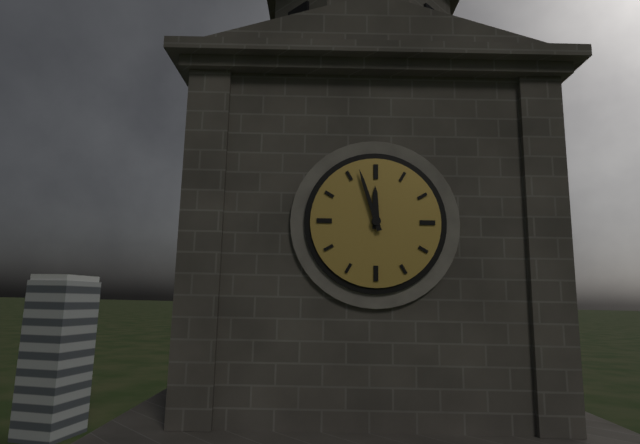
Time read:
11:57
